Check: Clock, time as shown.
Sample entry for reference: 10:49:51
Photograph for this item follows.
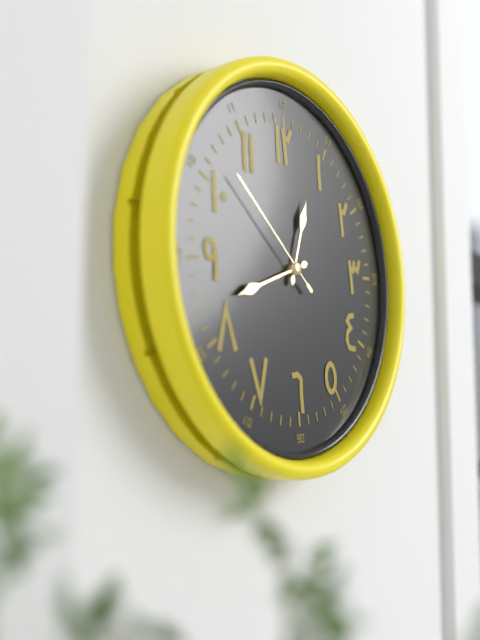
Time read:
12:42:52
